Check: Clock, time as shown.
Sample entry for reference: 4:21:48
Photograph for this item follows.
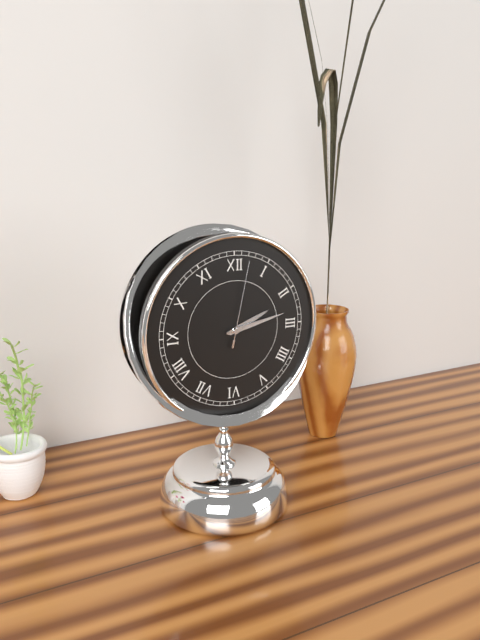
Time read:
2:13:02
